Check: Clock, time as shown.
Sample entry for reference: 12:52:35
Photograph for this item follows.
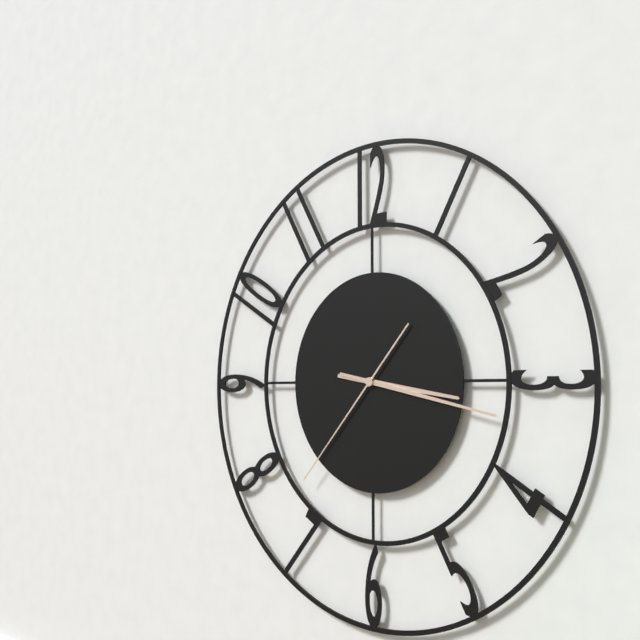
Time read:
3:17:37
